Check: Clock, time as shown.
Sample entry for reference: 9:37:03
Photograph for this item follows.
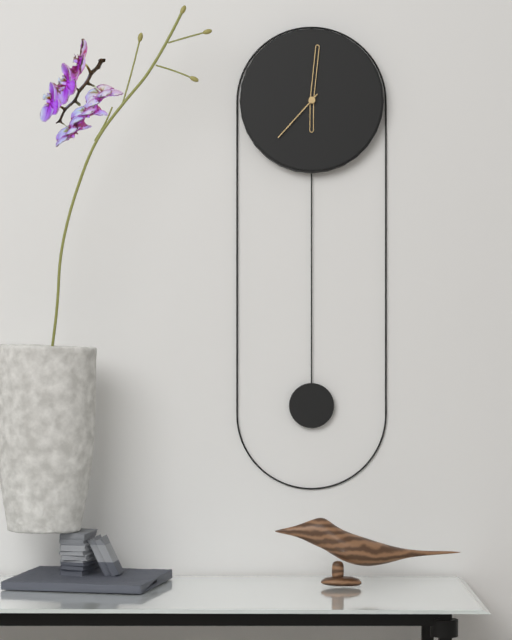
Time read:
6:01:37
